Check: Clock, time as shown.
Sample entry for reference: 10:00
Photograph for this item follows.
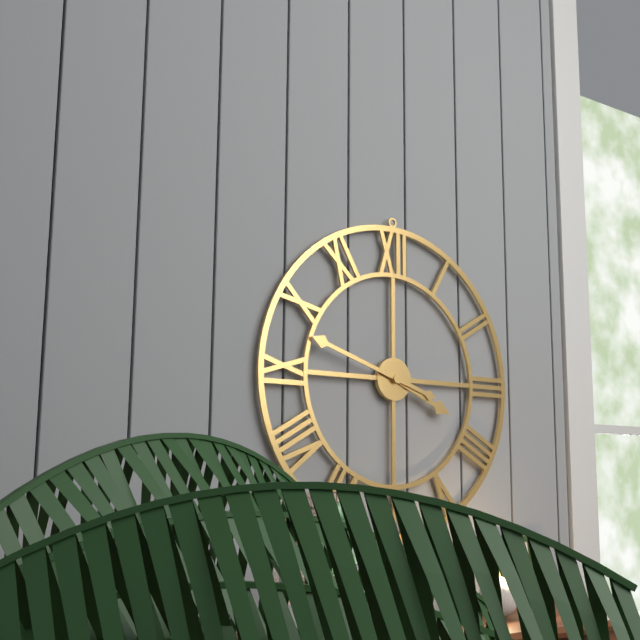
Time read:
3:48
